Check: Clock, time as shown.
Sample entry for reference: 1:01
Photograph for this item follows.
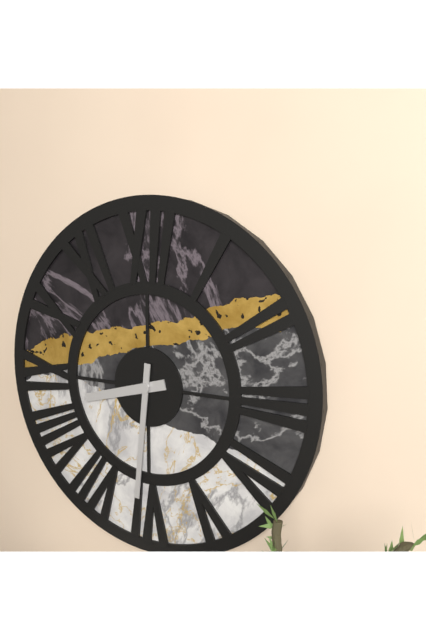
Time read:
8:31
